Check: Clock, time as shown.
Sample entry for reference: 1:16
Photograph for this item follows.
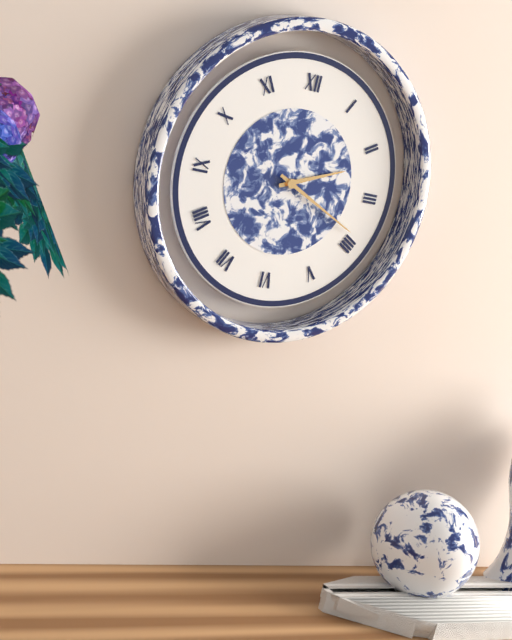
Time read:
2:19
